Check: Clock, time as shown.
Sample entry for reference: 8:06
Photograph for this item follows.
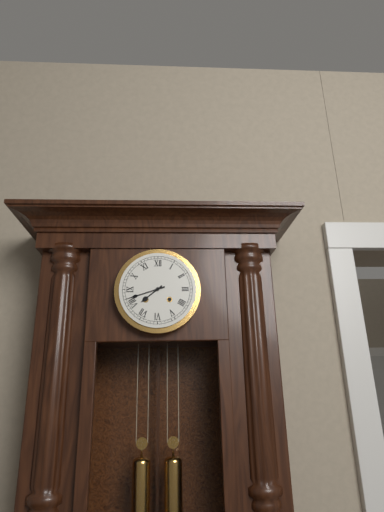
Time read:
7:42
